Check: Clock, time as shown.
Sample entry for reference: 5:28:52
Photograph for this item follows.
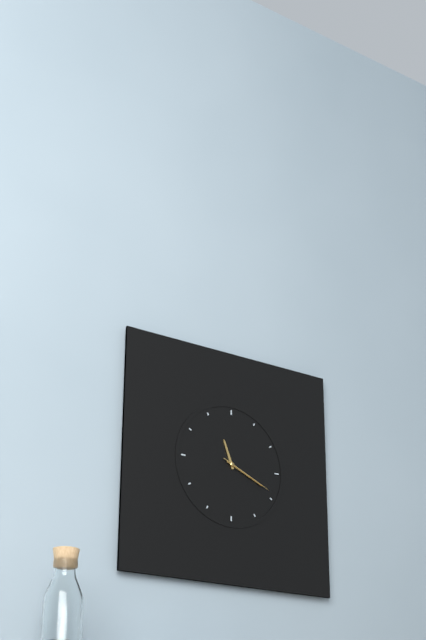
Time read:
11:19:19
